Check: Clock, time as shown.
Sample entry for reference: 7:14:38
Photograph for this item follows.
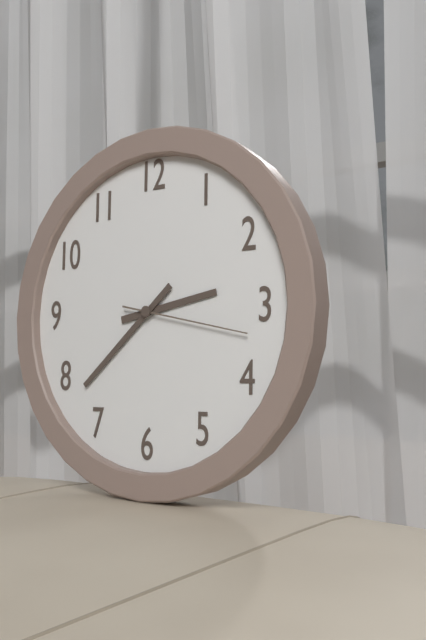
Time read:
2:38:17
